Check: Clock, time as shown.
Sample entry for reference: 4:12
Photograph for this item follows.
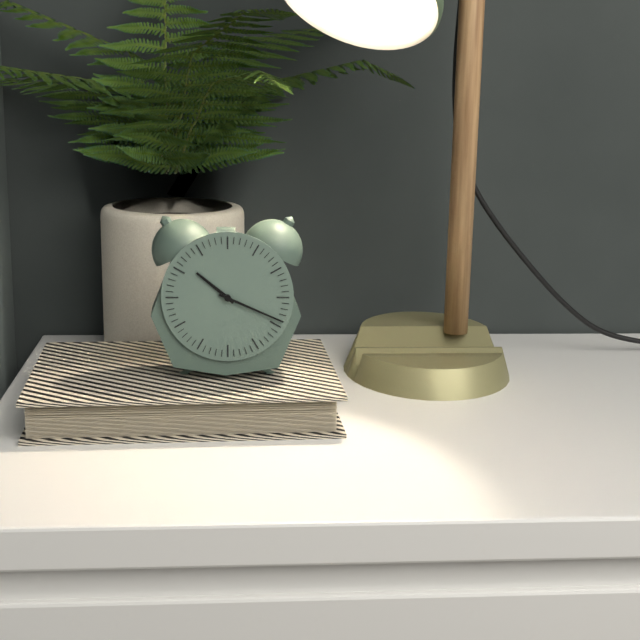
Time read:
10:19
